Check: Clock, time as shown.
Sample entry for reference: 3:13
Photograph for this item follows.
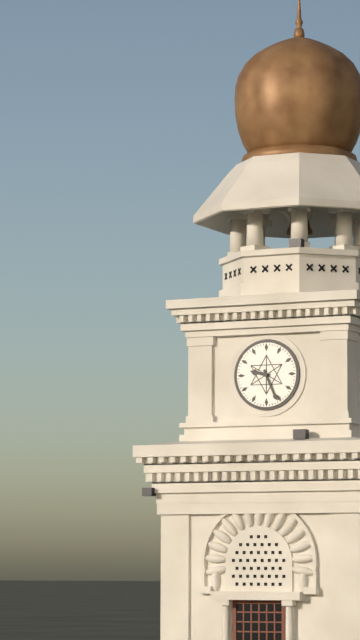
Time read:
9:26
